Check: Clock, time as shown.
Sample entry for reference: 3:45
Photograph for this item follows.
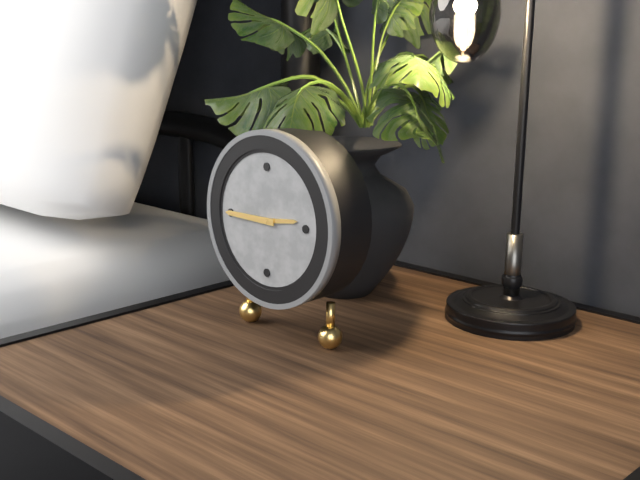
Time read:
2:45
